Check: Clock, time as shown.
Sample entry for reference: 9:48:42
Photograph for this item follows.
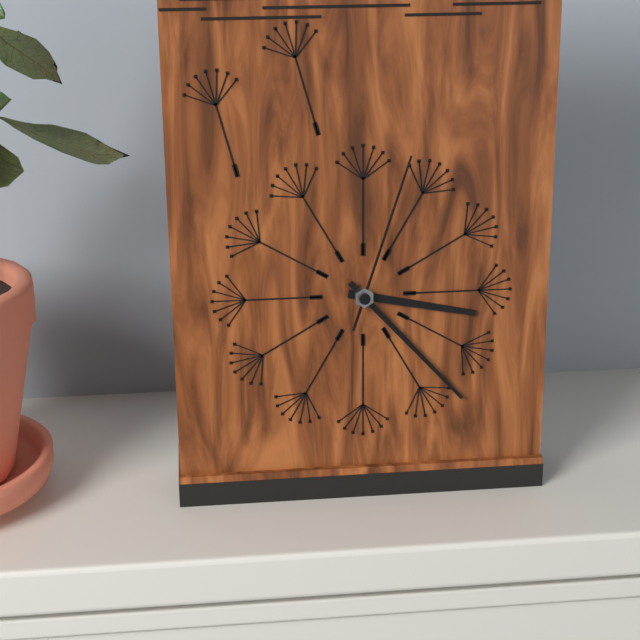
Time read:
3:23:03
